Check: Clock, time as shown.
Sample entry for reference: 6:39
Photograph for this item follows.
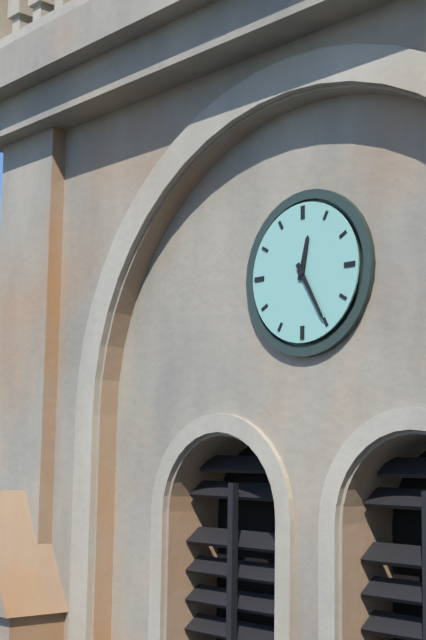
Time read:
12:25
